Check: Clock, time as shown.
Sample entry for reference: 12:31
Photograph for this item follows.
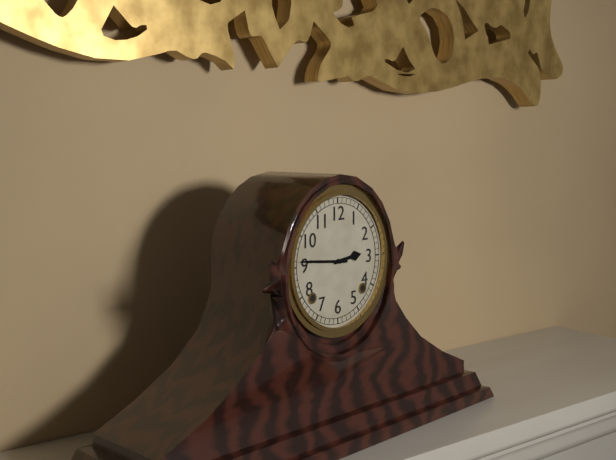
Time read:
2:46
